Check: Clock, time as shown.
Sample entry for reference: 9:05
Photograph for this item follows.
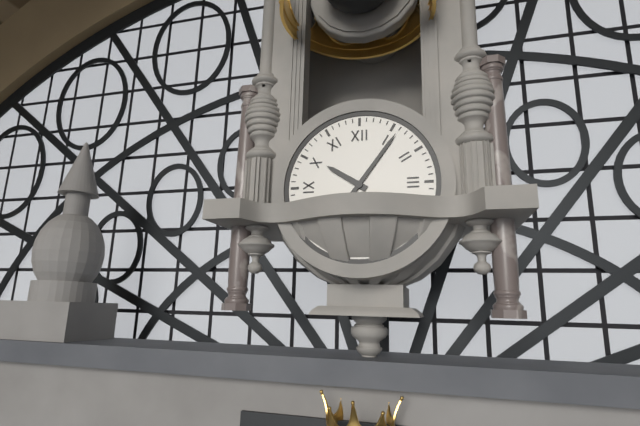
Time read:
10:06
